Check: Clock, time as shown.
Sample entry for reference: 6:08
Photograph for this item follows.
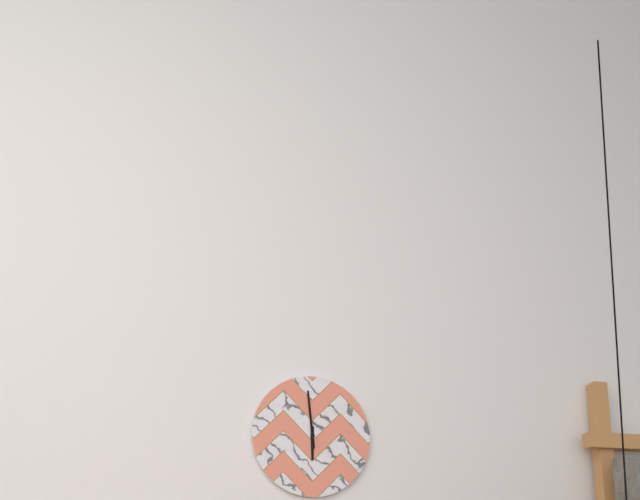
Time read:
5:59
